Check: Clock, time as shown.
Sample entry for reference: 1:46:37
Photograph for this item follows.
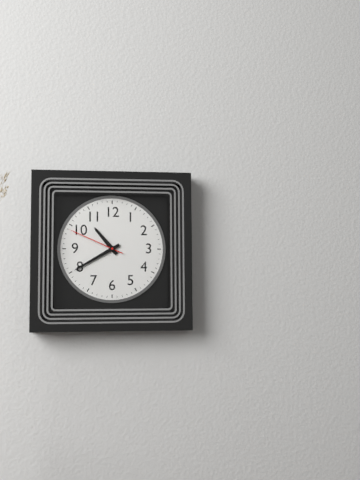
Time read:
10:40:49
